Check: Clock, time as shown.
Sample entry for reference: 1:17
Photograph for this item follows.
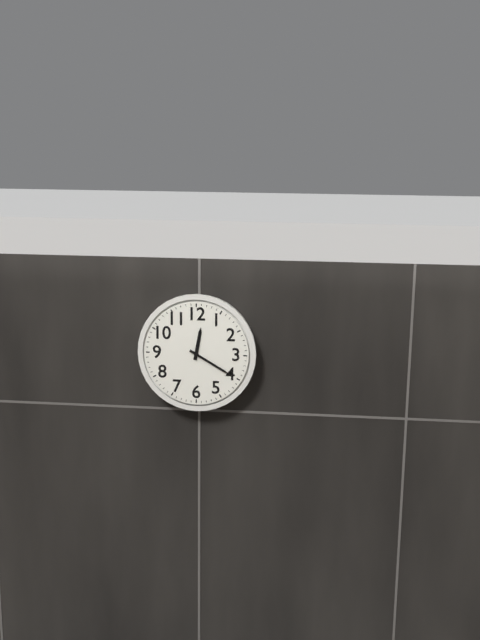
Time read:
12:20
